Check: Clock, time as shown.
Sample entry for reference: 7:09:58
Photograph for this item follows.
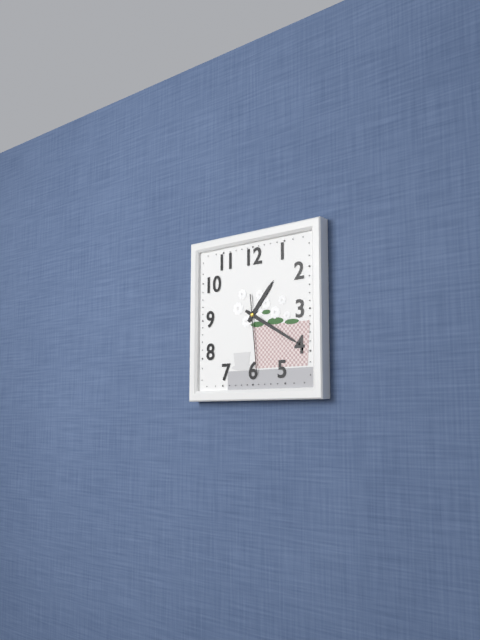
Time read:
1:20:29
